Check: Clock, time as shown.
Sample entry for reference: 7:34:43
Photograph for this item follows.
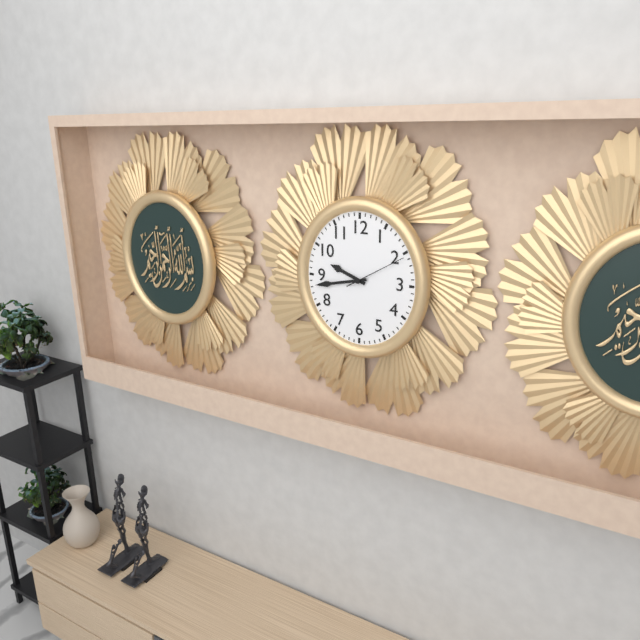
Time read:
9:43:10
